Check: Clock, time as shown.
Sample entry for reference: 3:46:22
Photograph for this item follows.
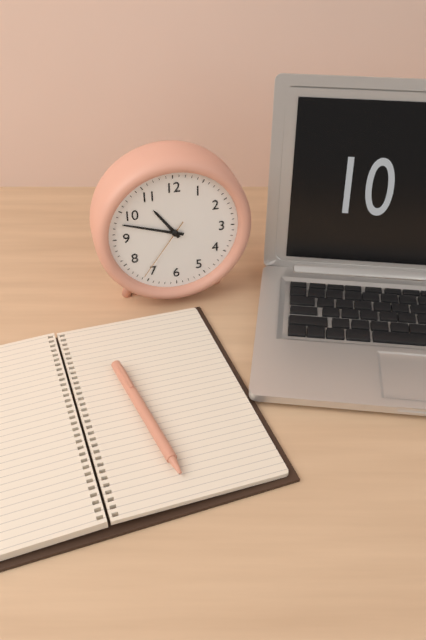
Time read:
10:48:36
